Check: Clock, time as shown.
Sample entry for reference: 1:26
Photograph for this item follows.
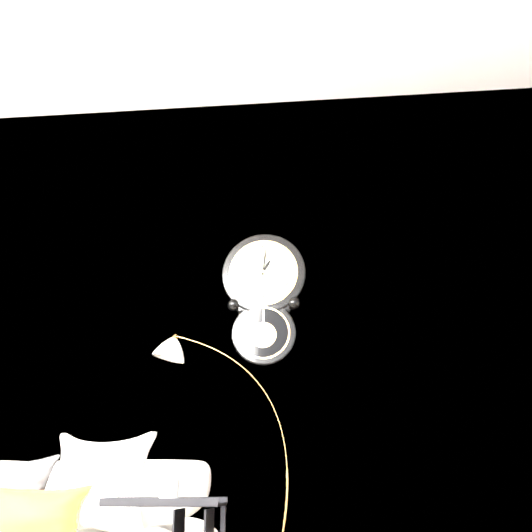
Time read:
1:01
